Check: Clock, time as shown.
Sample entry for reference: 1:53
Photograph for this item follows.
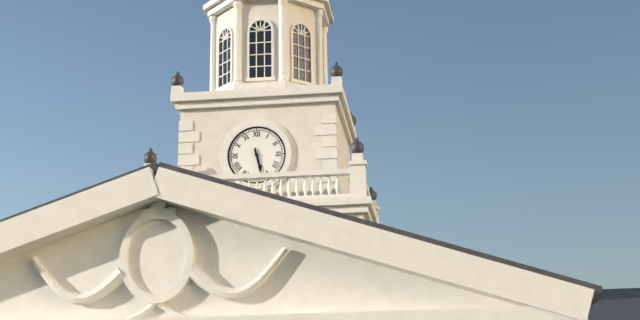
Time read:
5:28
